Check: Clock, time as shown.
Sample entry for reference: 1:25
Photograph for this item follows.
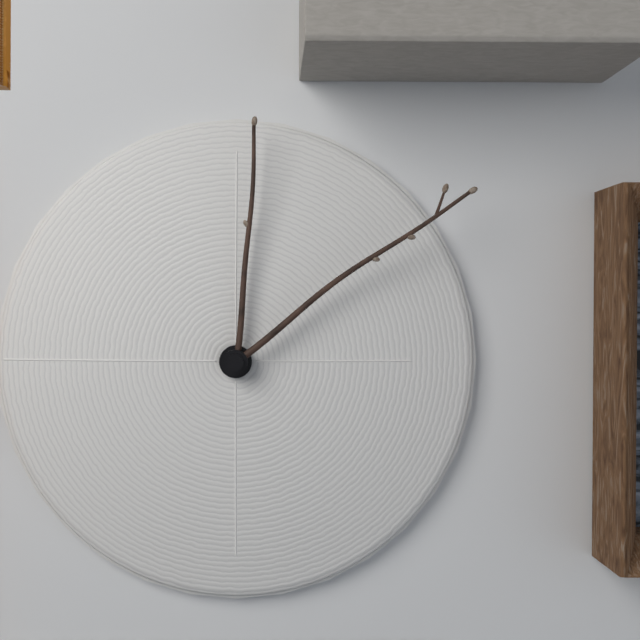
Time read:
12:09
